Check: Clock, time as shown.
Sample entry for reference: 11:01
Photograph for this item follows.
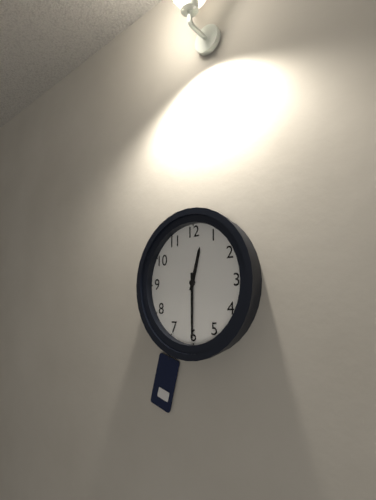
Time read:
12:30
